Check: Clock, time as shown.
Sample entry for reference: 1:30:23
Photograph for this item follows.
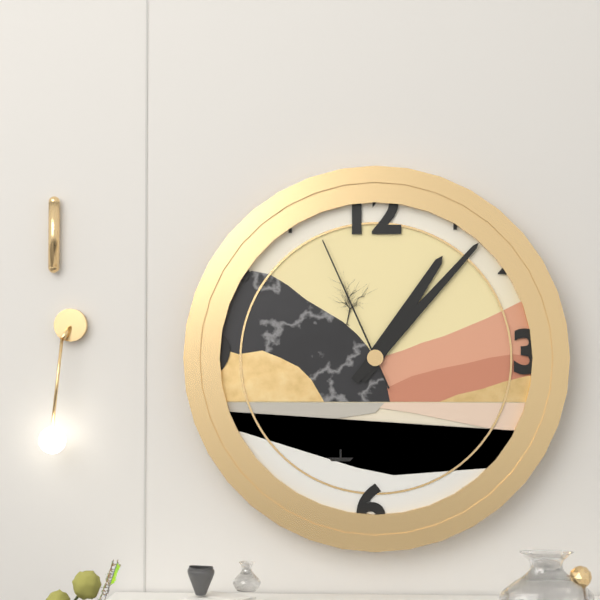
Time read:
1:07:56
